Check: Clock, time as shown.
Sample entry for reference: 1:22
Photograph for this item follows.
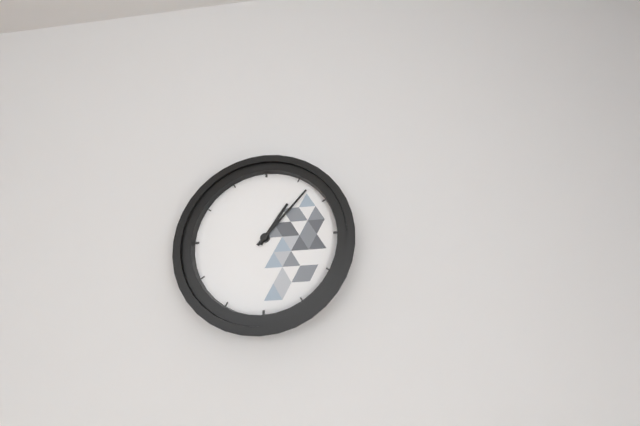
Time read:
1:07
